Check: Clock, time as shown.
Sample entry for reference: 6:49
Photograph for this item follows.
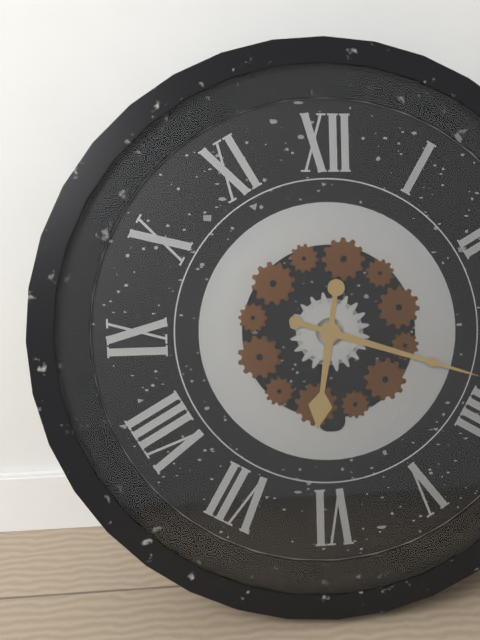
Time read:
6:18
